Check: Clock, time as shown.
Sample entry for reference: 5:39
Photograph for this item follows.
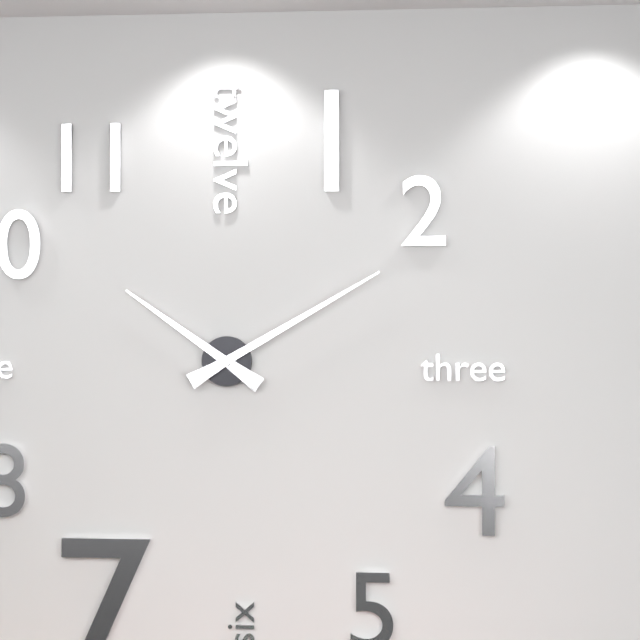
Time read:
10:10
